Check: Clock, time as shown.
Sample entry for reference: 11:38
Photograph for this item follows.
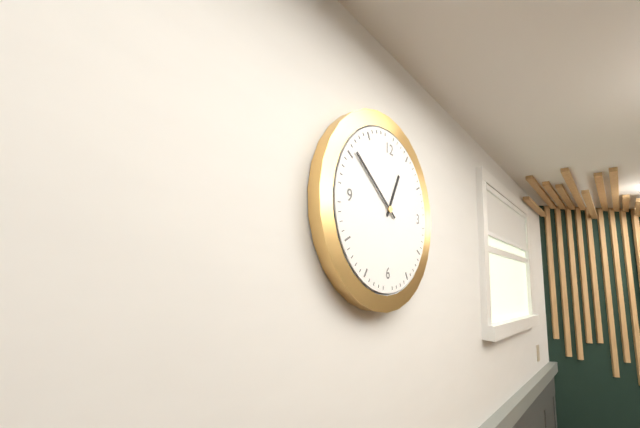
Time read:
12:51
